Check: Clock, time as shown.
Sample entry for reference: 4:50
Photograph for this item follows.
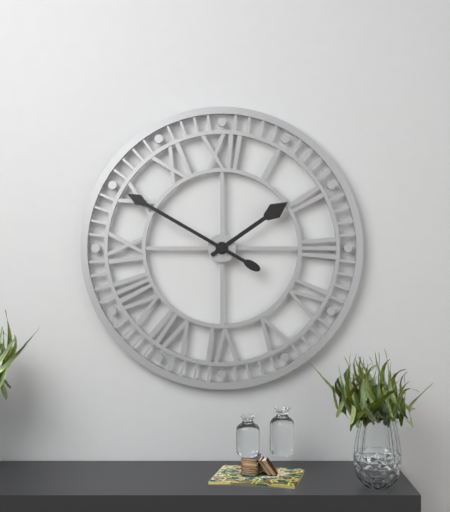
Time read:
1:50
